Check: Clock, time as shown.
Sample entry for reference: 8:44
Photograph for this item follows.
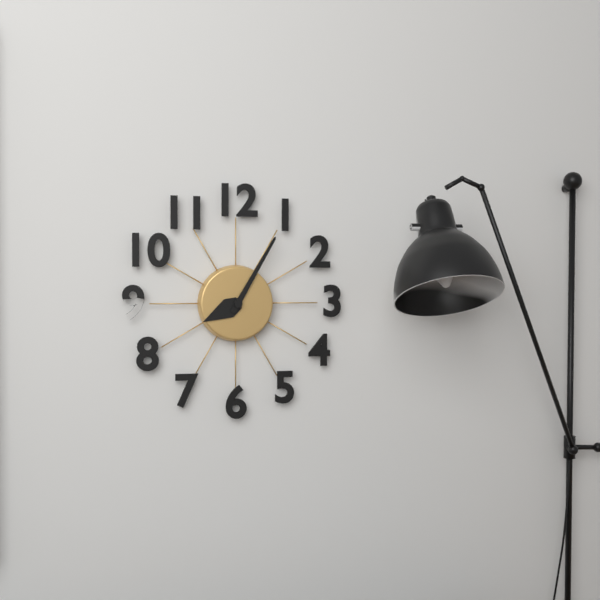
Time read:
8:05
